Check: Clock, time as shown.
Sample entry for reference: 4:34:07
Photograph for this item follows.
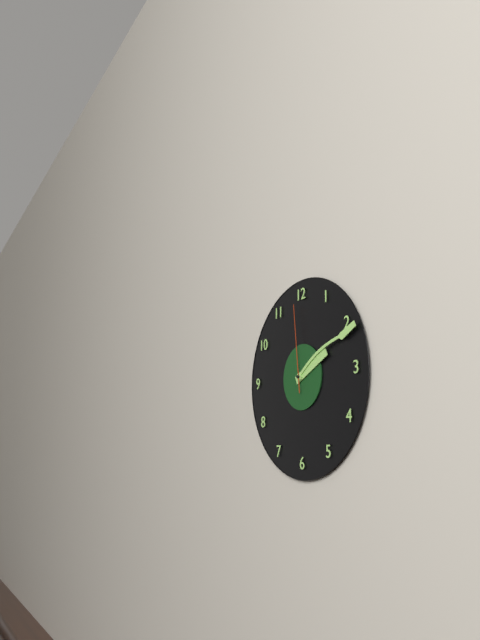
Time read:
2:11:59
